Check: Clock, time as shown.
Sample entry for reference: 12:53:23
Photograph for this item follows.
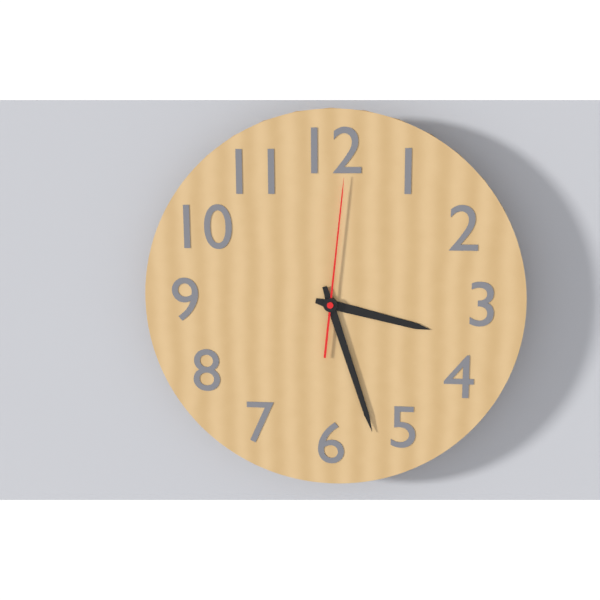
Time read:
3:27:01
